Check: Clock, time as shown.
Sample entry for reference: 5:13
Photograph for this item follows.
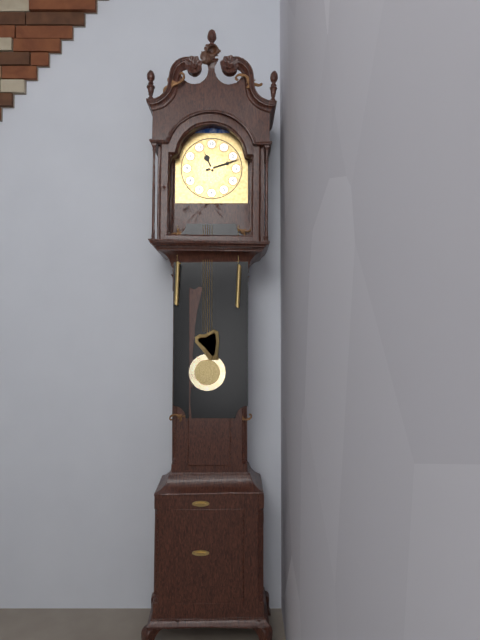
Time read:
11:12
